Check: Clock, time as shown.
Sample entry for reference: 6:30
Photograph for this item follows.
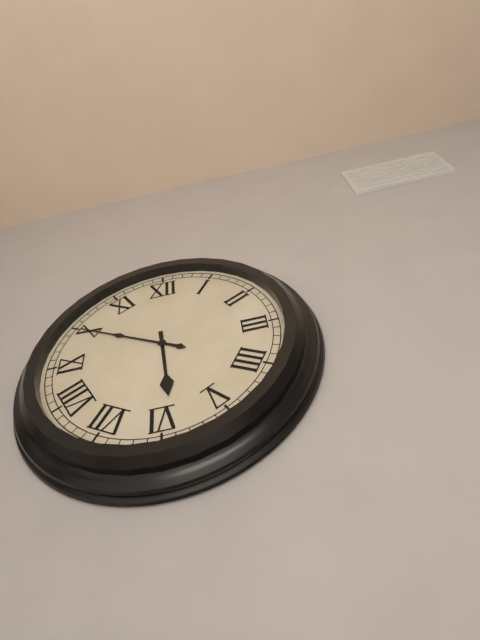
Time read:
5:50
